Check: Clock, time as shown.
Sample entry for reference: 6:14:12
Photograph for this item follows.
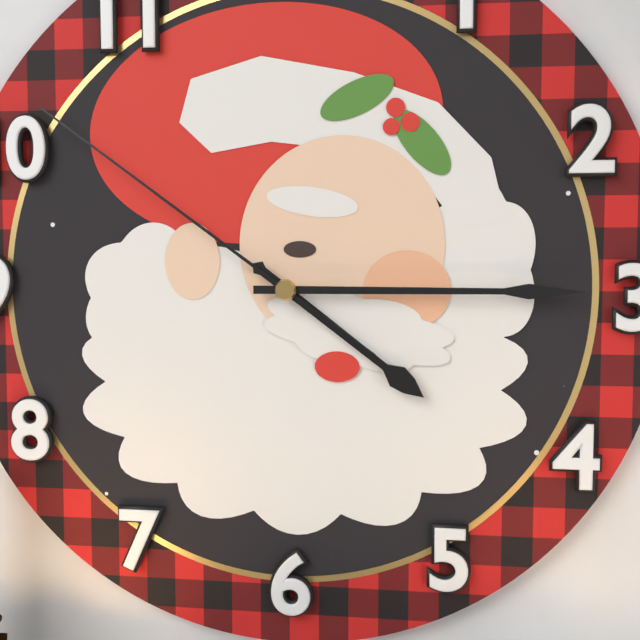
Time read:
4:15:51
